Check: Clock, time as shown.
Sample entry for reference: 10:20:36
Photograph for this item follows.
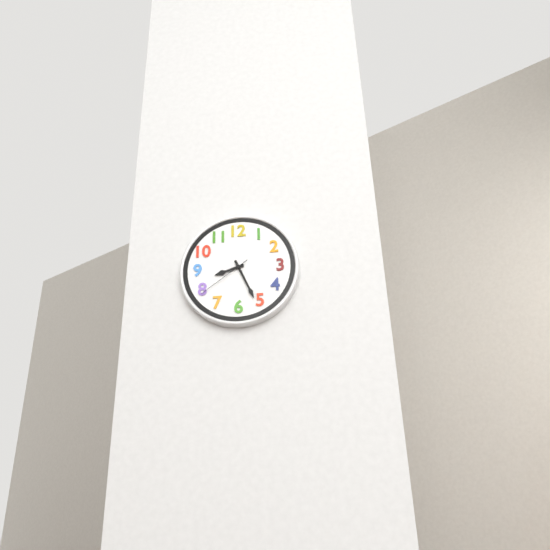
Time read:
8:26:39
